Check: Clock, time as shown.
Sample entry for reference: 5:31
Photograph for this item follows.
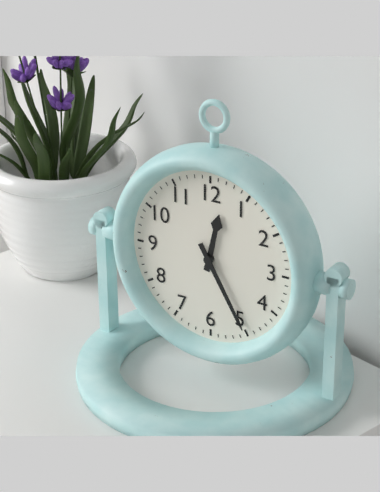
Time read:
12:25
